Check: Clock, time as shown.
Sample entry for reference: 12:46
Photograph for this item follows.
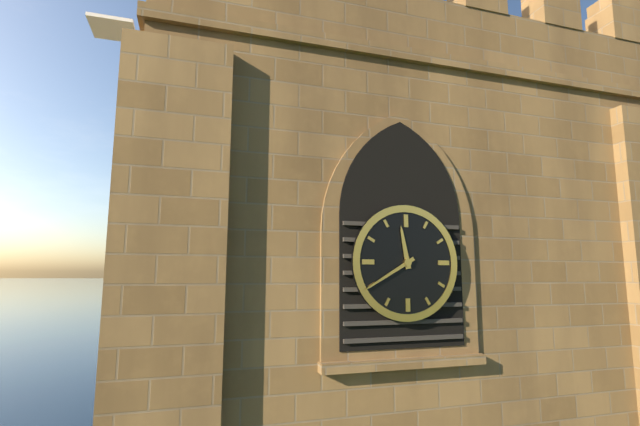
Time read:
11:40
